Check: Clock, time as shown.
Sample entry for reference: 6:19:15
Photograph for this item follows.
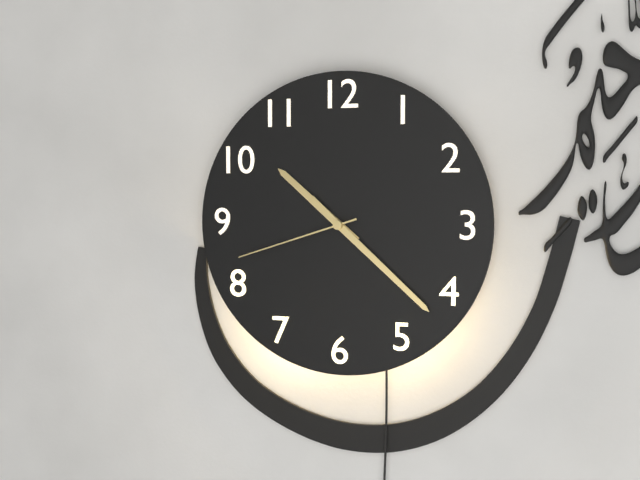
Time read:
10:22:42
